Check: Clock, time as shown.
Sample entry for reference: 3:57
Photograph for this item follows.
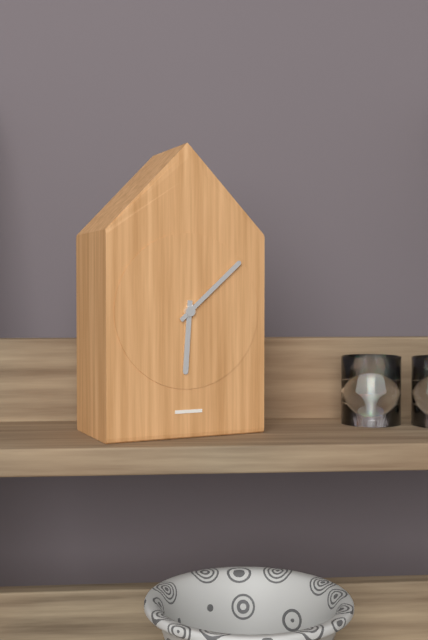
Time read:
6:08
